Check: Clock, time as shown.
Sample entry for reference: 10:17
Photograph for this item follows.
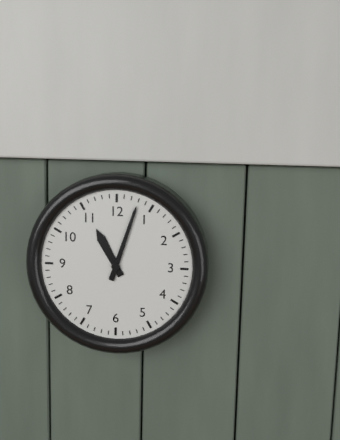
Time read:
11:03
